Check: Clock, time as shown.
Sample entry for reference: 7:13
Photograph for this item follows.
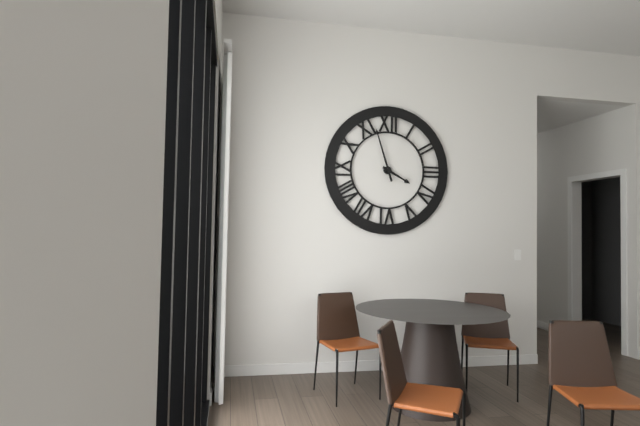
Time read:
3:57
